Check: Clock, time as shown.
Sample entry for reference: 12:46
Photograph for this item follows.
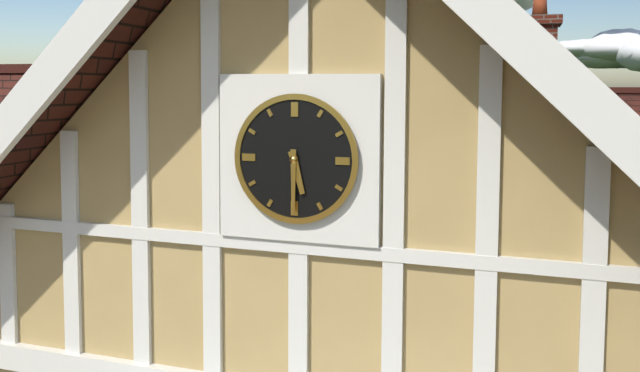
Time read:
5:30
